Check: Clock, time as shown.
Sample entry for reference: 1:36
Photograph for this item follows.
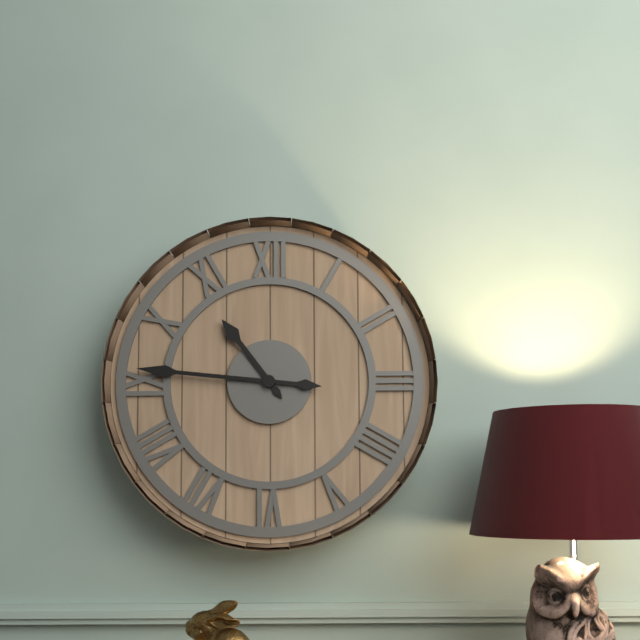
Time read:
10:46
